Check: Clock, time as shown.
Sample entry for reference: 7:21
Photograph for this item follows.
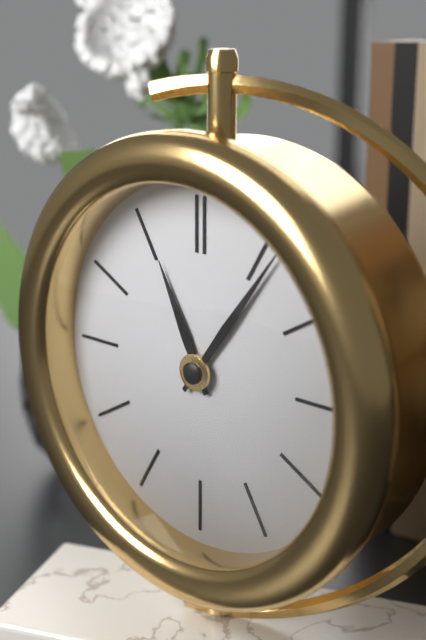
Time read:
11:06
